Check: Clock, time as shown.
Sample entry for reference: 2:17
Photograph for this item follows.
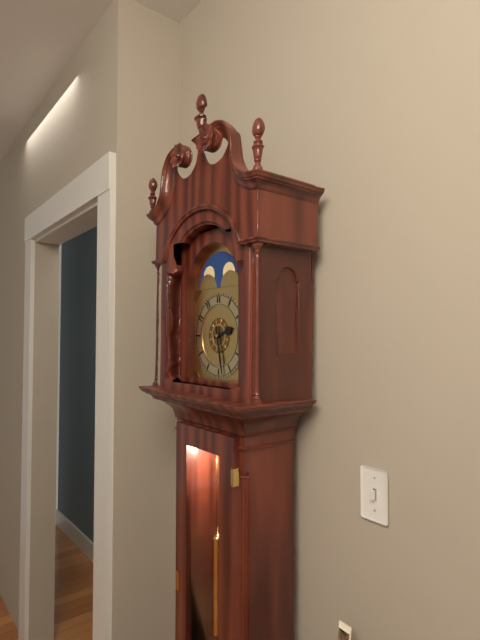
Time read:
2:28
